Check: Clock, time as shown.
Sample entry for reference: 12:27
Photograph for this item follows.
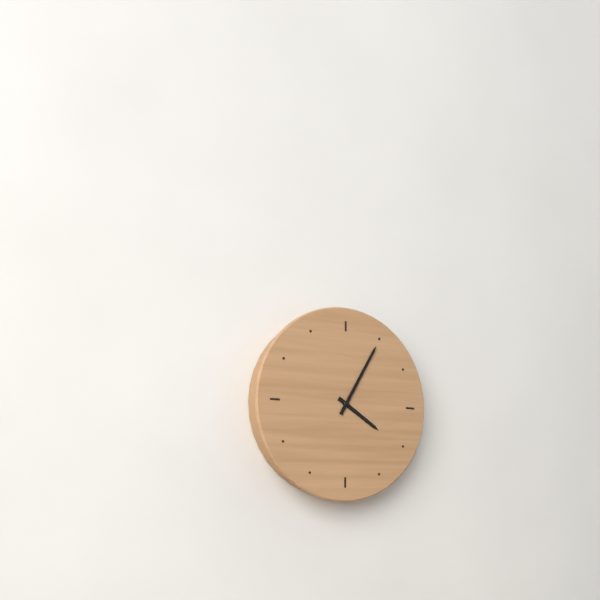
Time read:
4:05
